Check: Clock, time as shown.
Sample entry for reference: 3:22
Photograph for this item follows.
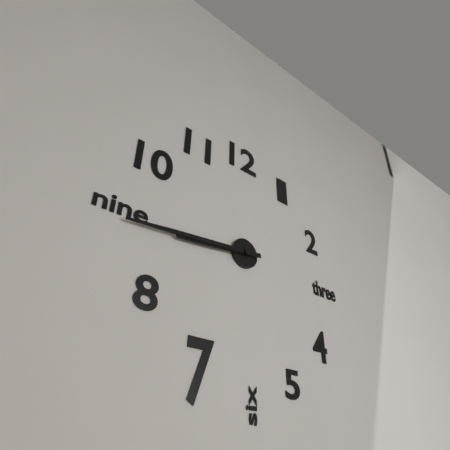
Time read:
8:44
